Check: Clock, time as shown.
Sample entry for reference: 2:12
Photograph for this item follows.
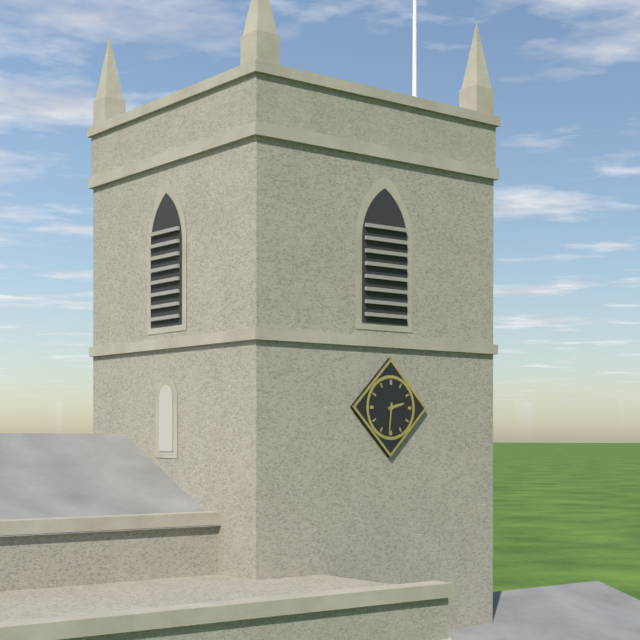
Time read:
2:31
